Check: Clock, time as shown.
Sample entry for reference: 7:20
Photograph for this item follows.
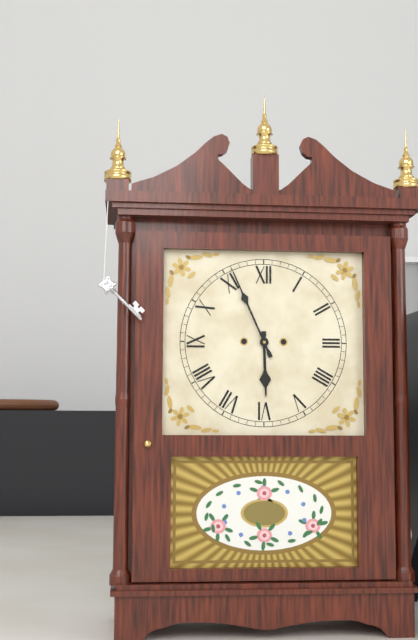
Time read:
5:56
